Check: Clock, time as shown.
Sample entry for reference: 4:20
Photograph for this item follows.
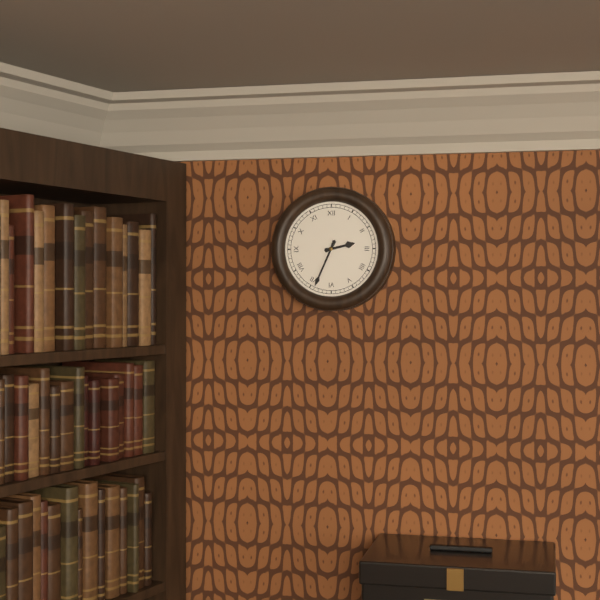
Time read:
2:34
